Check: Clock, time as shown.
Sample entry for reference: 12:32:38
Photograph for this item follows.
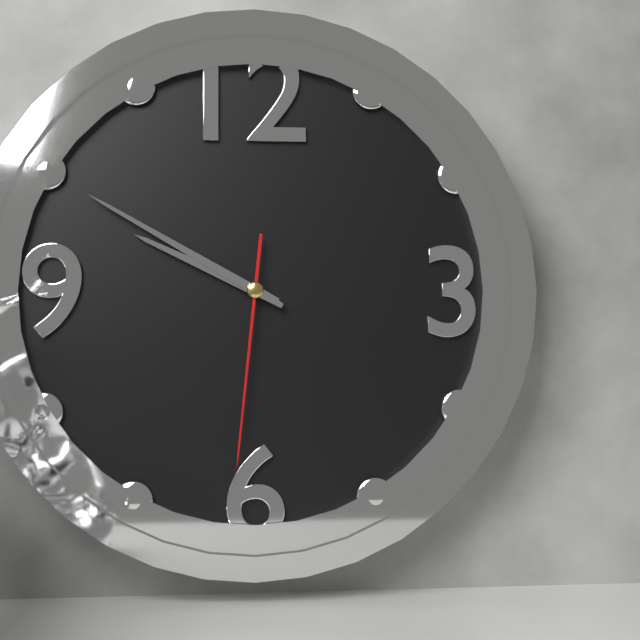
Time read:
9:50:31
